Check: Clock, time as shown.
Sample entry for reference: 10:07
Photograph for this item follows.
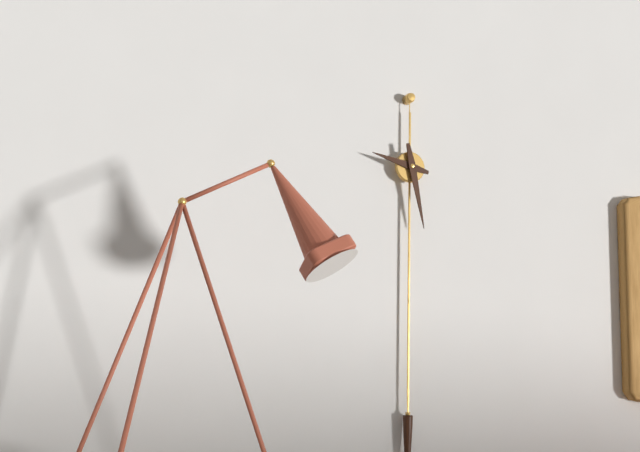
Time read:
9:28
